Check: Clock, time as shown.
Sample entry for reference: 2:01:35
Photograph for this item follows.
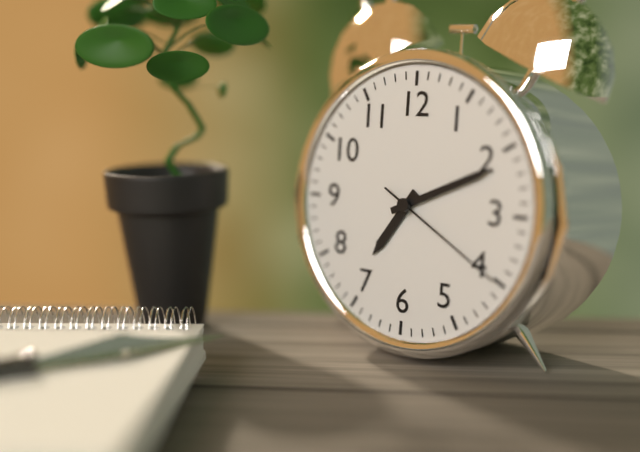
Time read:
7:11:20
